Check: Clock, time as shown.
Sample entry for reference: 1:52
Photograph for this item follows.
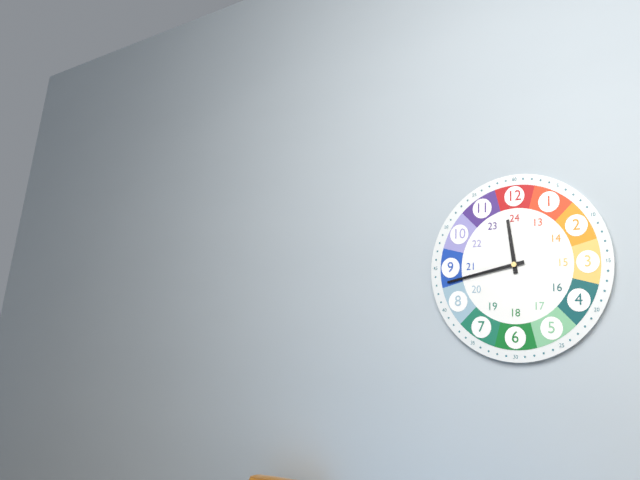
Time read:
11:43
